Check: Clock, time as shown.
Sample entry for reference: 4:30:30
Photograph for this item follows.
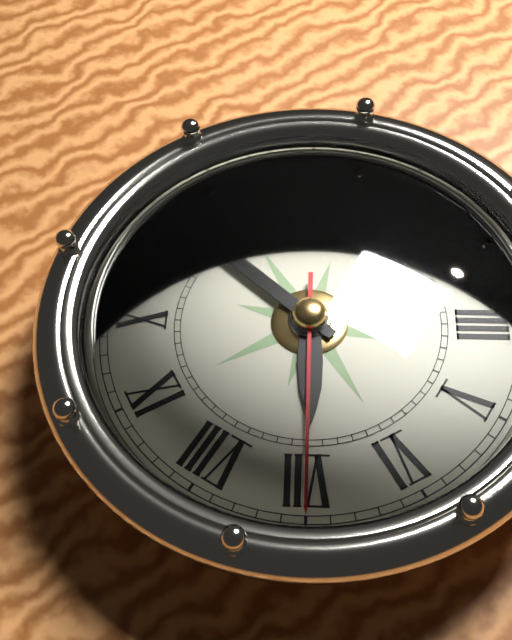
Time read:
6:57:35
